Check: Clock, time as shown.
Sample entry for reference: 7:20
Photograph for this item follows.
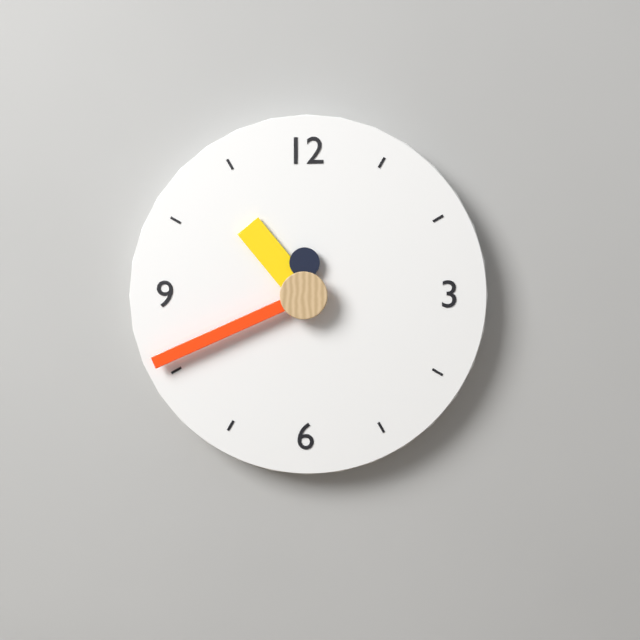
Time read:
10:41
